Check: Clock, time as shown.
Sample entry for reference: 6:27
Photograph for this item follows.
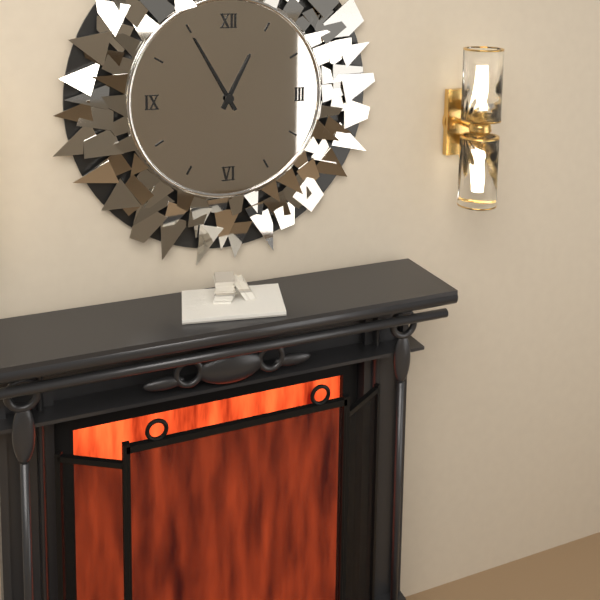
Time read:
12:55
